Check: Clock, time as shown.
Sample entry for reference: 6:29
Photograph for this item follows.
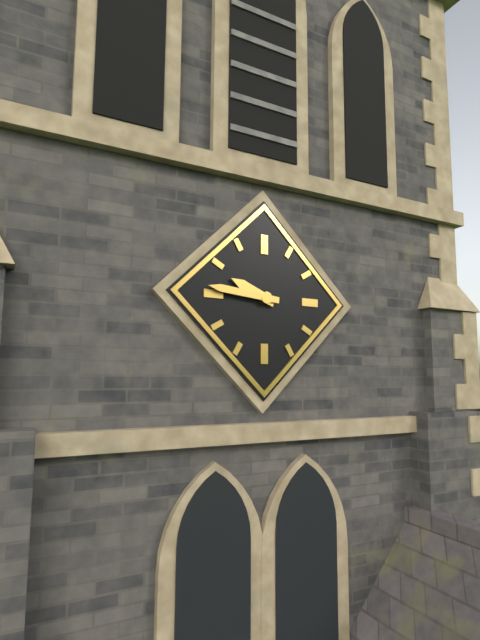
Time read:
9:46
